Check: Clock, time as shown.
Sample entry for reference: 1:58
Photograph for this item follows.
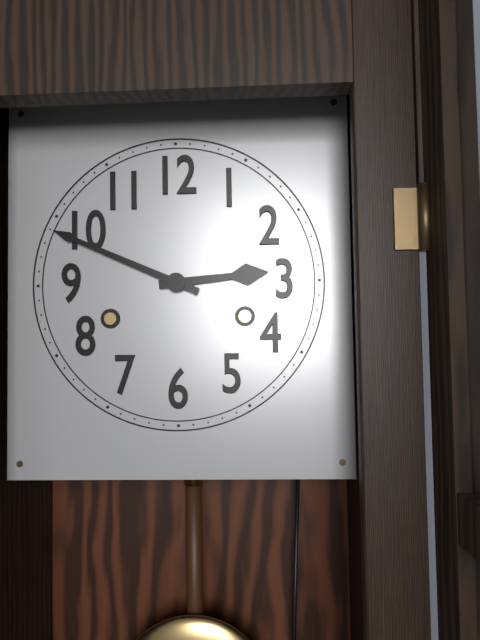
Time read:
2:49
